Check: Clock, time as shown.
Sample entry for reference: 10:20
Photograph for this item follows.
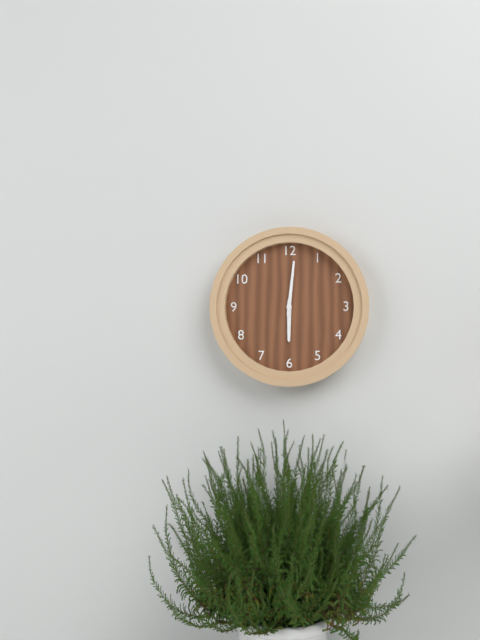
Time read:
6:01
